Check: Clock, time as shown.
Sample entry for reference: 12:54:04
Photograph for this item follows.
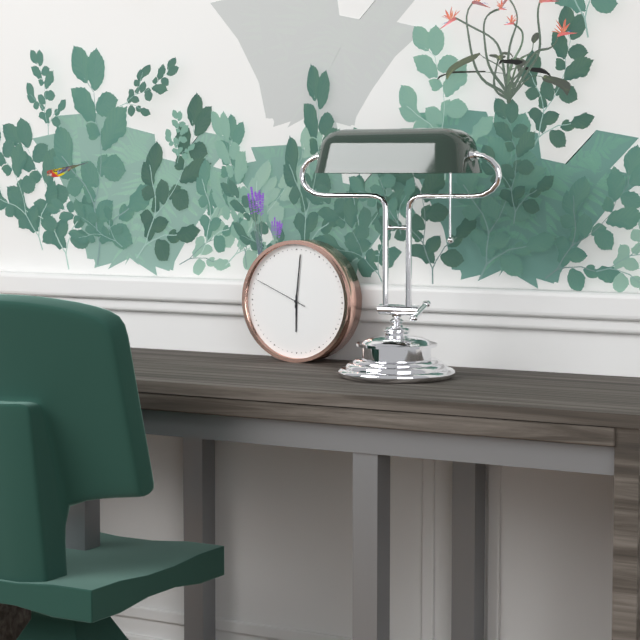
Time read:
6:01:49
